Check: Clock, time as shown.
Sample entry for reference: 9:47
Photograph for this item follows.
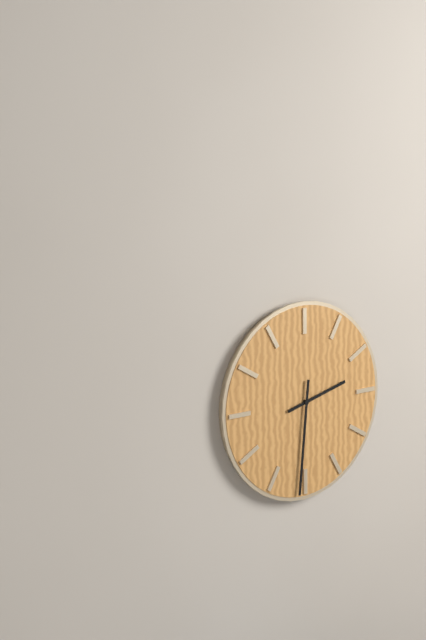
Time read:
2:31
